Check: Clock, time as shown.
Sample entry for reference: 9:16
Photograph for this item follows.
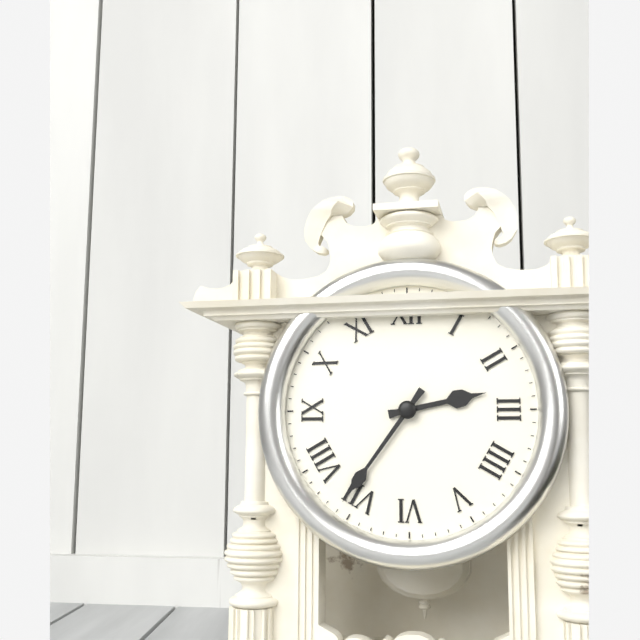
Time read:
2:36
